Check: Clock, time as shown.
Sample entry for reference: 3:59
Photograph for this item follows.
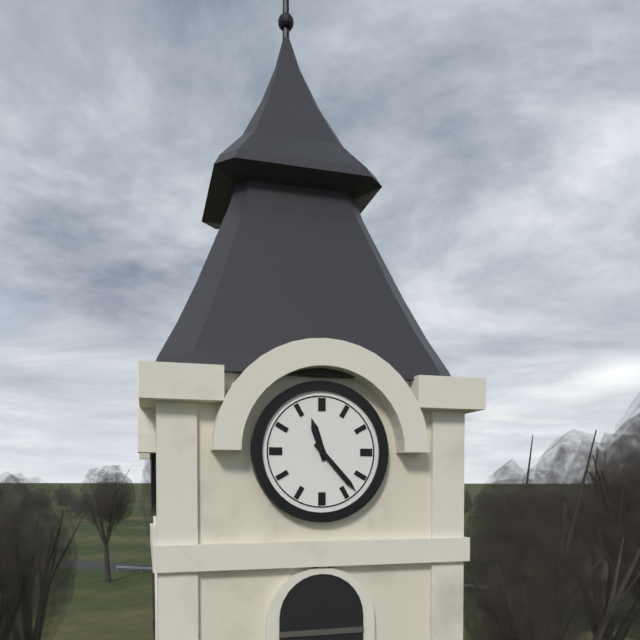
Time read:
11:23
